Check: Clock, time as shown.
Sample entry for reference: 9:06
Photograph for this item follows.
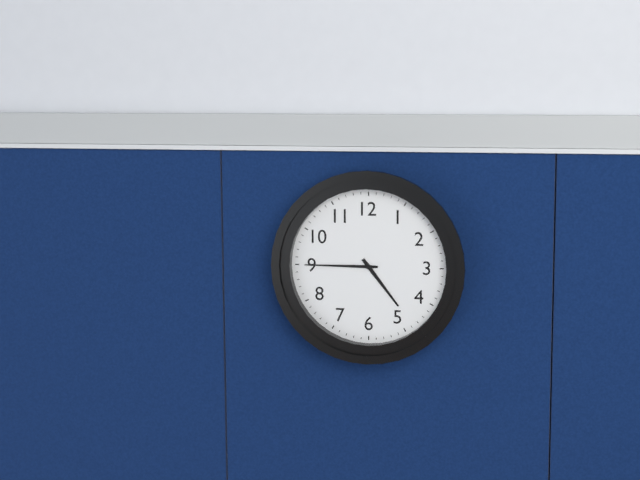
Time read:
4:45
